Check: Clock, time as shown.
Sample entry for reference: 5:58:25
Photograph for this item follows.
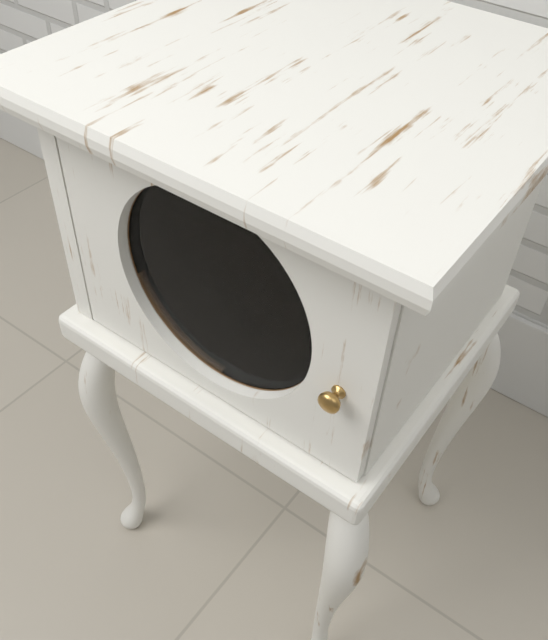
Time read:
4:14:50
